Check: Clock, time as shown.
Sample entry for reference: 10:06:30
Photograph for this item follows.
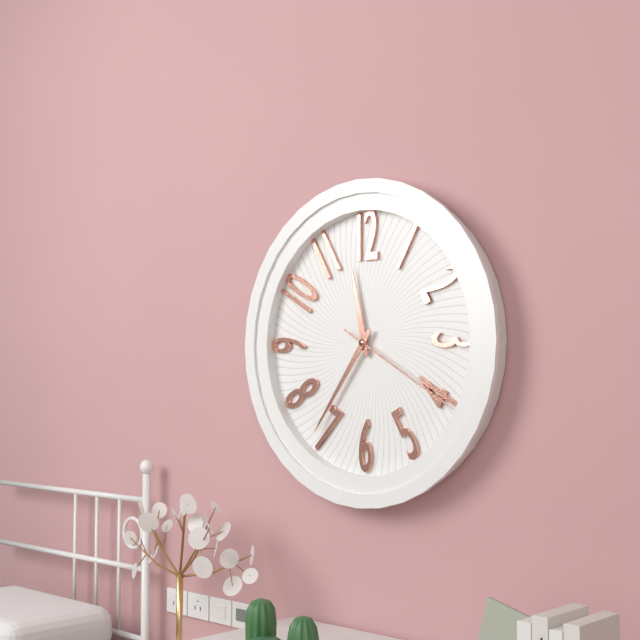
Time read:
11:36:20
